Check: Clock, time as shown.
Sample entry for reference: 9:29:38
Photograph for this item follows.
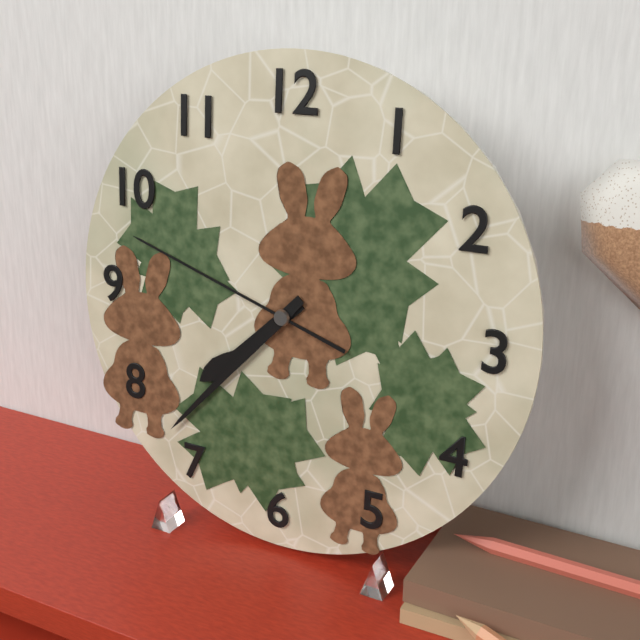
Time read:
7:37:48
